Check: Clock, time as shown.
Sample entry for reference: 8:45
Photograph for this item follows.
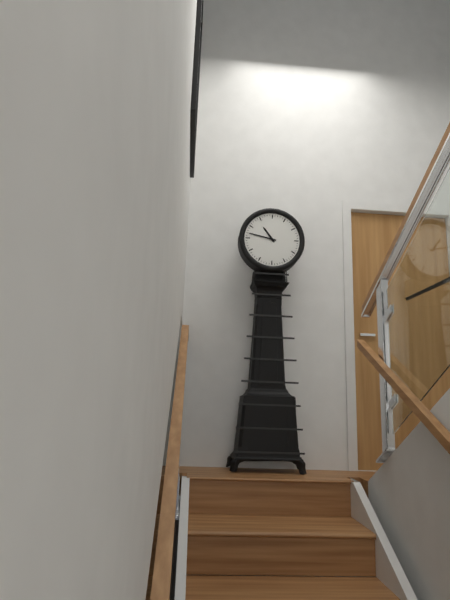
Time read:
10:47
